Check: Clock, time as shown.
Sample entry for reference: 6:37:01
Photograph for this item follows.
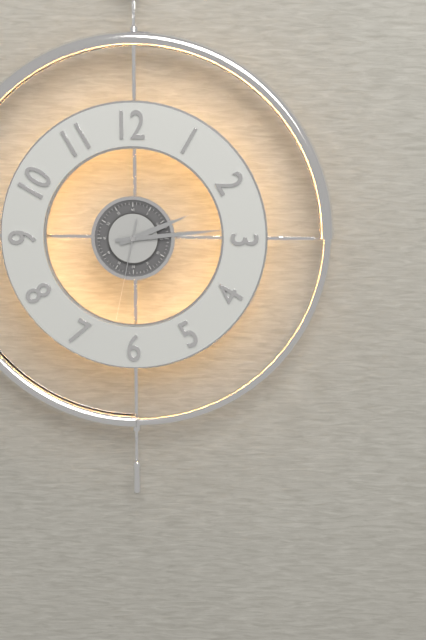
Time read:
2:14:32
